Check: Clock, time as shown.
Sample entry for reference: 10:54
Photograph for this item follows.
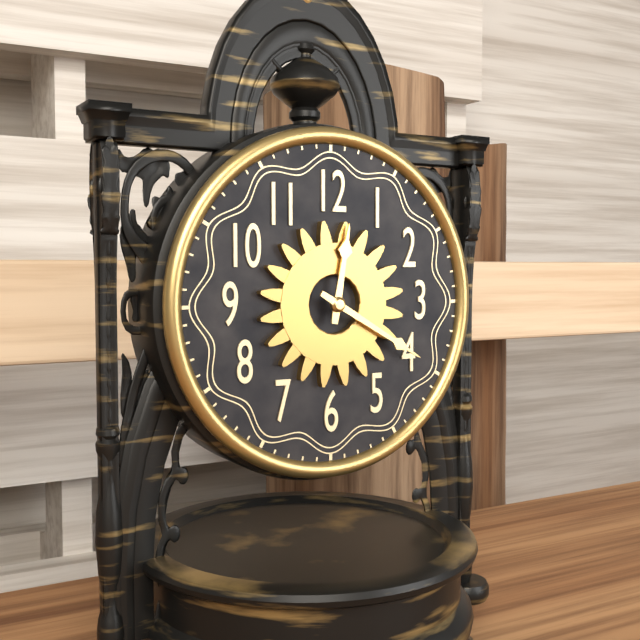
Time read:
12:20
